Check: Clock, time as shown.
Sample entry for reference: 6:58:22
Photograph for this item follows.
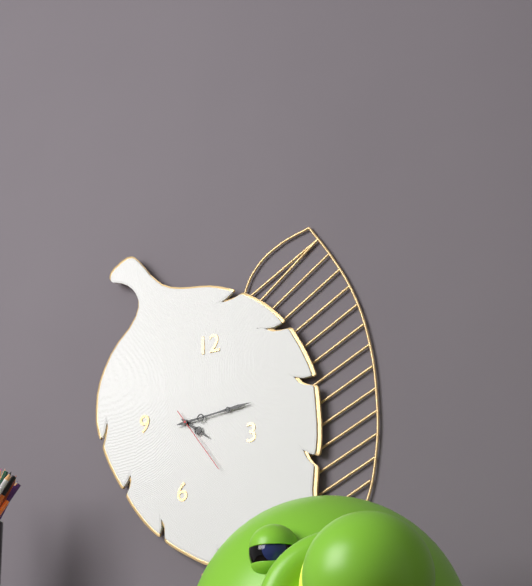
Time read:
4:14:24
